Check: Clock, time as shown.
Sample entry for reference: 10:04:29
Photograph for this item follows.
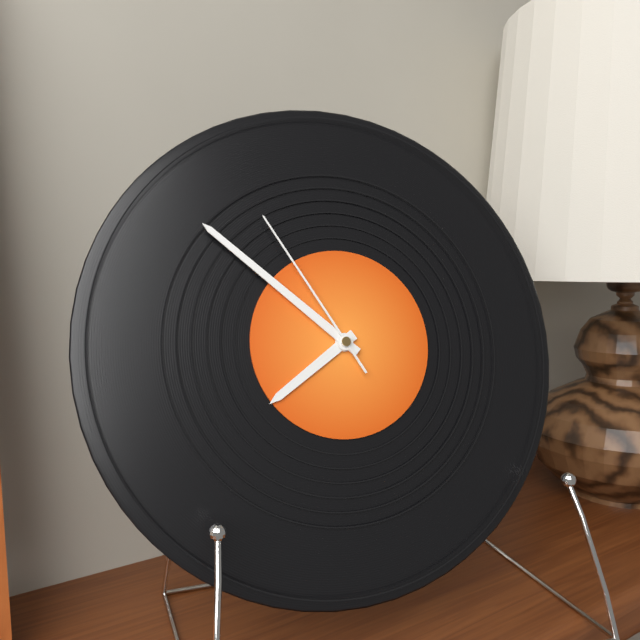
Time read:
7:52:55
